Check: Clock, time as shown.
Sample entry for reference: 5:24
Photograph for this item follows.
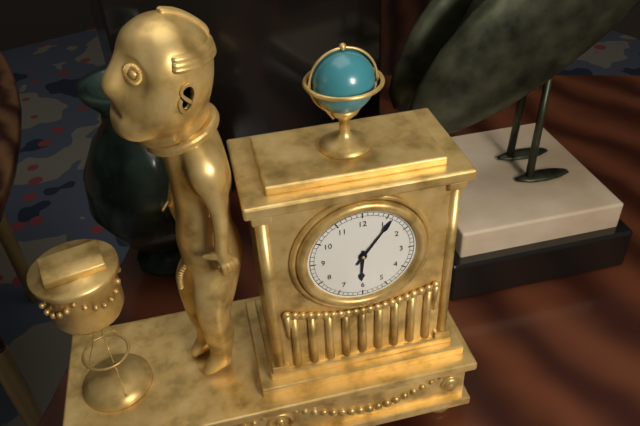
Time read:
6:06
